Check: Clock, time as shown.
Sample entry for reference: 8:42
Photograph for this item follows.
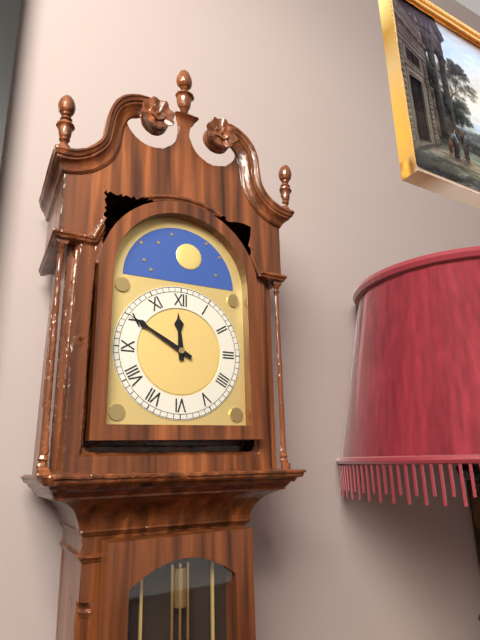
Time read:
11:50
